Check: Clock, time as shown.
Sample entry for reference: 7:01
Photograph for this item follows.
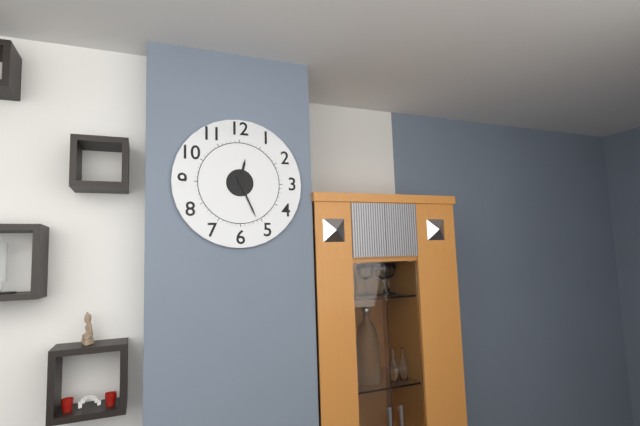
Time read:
12:26
